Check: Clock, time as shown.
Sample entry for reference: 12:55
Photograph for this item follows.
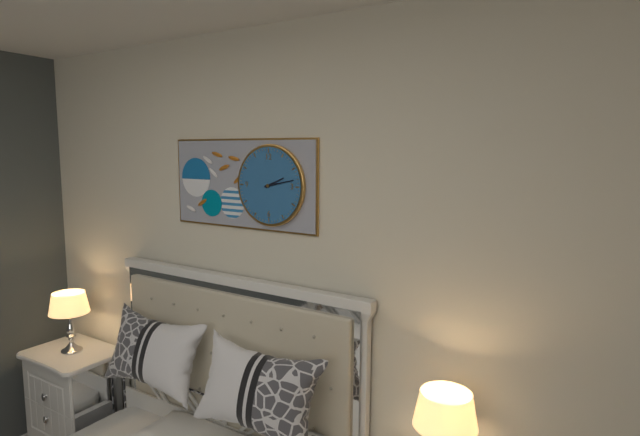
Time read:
2:13
